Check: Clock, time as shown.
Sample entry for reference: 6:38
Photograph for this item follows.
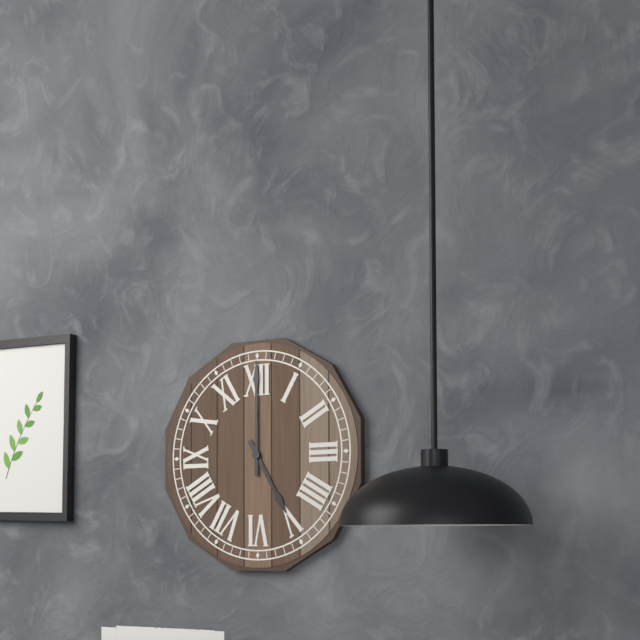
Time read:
5:00
